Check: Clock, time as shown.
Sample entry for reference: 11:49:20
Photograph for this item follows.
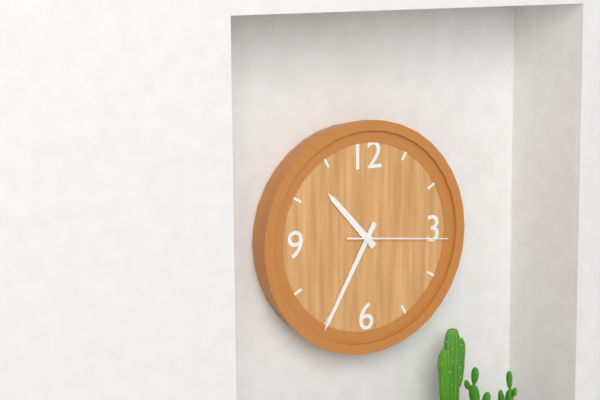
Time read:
10:35:16
